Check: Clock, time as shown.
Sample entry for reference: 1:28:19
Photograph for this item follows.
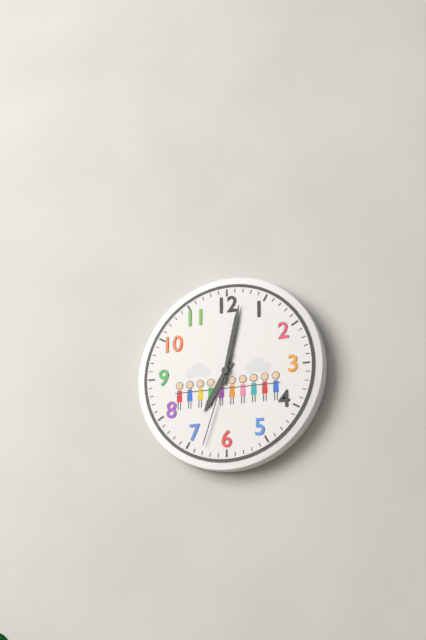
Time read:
7:02:33
